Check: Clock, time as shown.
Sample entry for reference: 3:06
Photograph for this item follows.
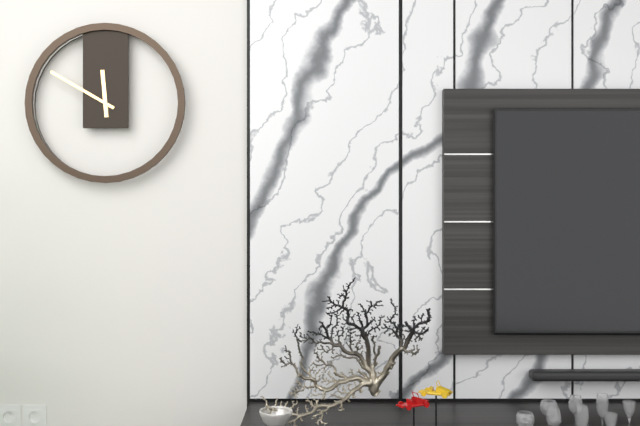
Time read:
11:50
